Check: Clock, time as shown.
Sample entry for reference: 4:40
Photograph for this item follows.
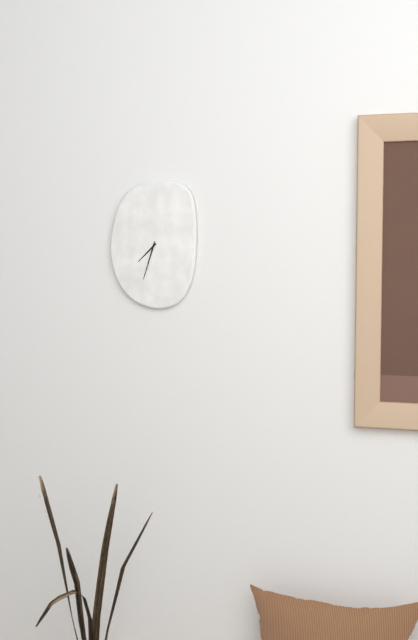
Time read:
7:33
